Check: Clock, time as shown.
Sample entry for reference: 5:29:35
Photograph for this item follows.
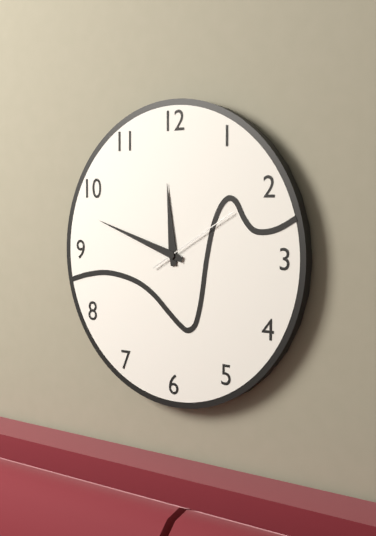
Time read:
11:48:10
